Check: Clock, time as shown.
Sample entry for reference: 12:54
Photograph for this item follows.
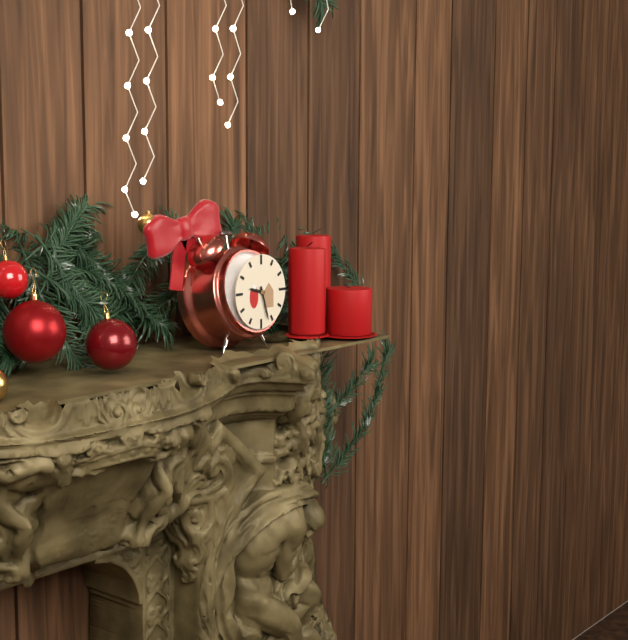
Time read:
9:27
